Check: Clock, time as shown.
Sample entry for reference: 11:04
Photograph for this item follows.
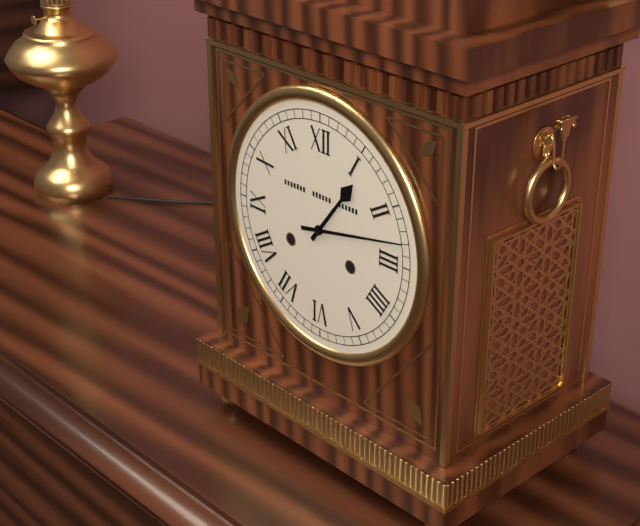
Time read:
1:13
